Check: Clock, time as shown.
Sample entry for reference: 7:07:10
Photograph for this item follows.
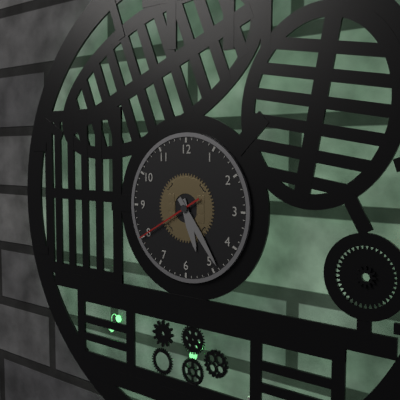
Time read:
5:24:40
